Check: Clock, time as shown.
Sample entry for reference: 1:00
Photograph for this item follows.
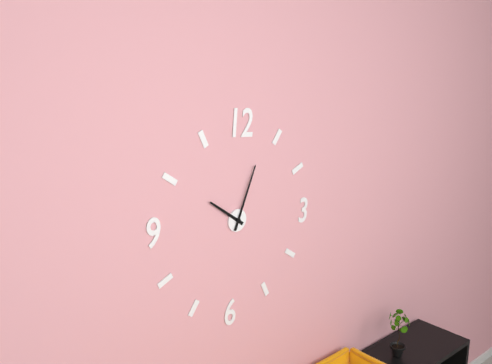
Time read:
10:03
